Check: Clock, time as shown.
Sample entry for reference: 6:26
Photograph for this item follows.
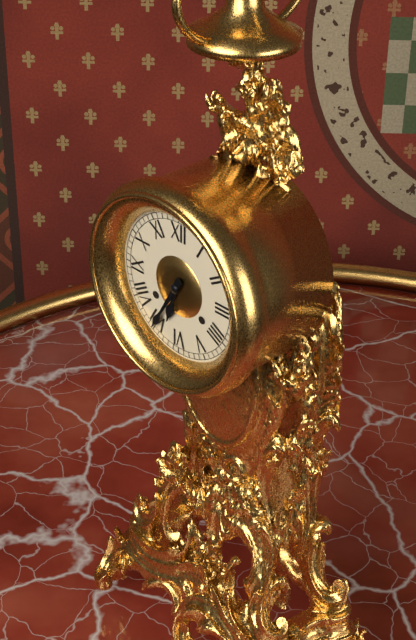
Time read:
6:35
